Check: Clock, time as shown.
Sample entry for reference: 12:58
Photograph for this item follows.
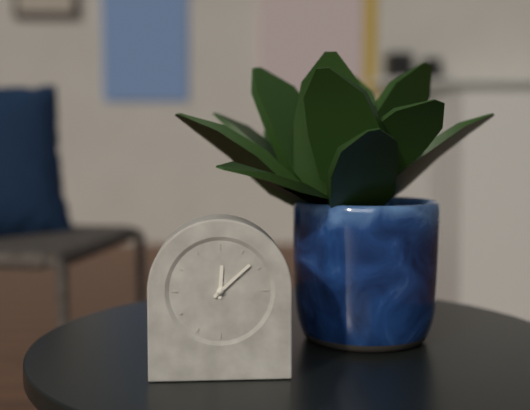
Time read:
12:08
